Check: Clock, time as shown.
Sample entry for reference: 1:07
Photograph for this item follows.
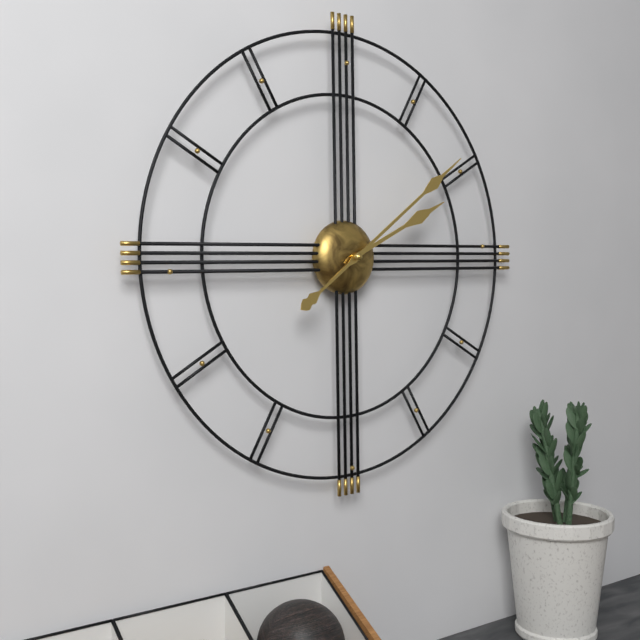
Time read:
2:09
